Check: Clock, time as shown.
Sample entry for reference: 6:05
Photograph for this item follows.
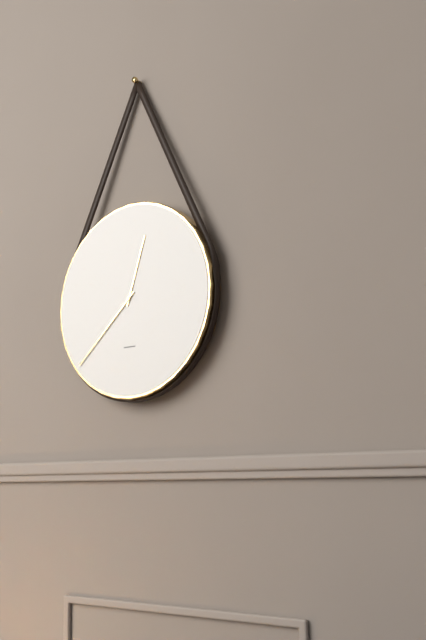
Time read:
12:38
